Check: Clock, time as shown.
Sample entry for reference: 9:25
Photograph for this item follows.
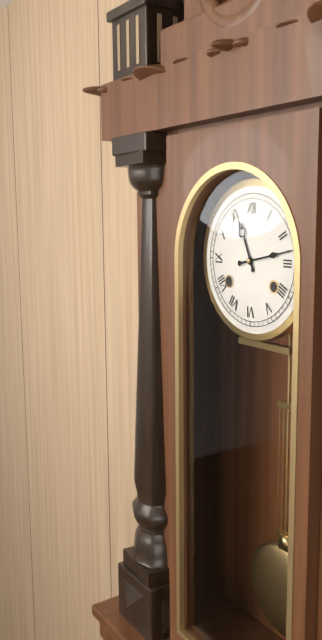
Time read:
11:13
